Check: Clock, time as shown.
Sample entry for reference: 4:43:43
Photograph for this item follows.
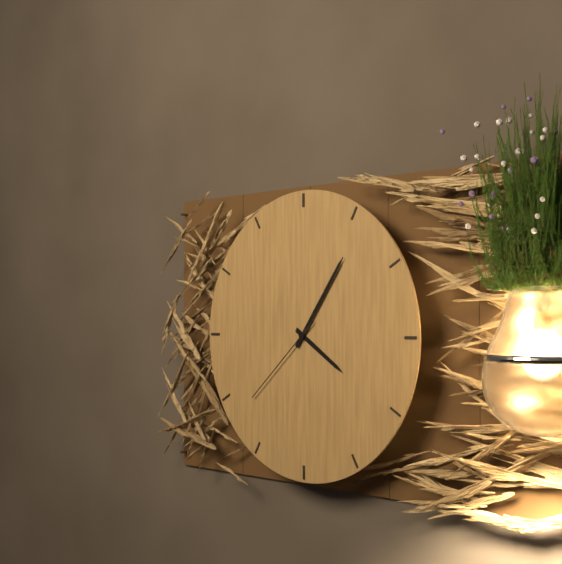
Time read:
4:06:38
